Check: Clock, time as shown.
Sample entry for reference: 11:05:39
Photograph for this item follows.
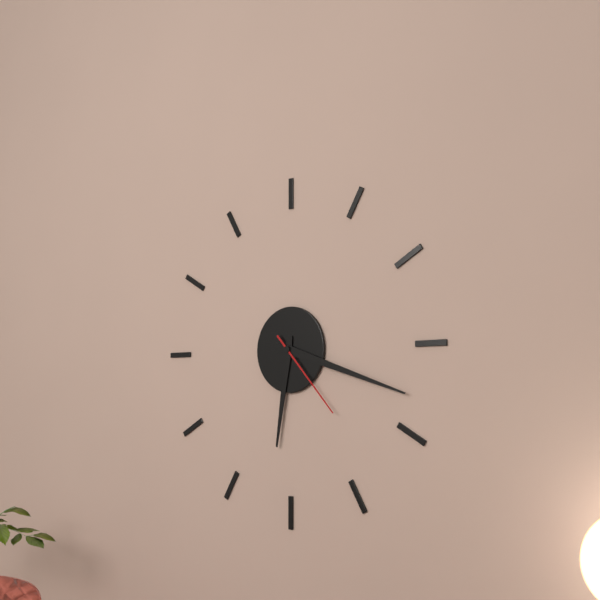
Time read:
6:18:23
